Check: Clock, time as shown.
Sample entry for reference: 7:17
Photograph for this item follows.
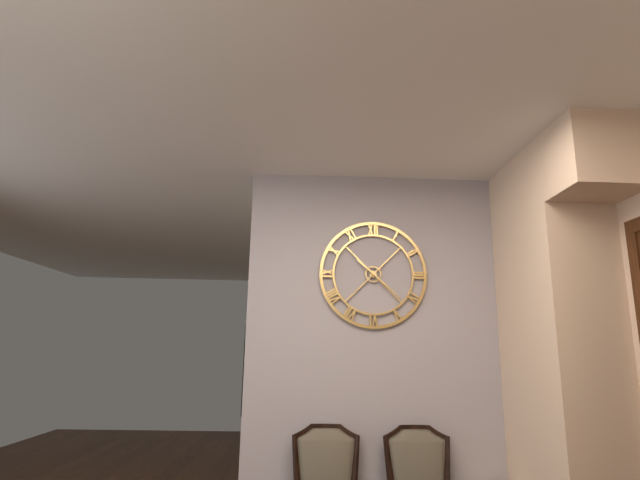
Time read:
10:22
